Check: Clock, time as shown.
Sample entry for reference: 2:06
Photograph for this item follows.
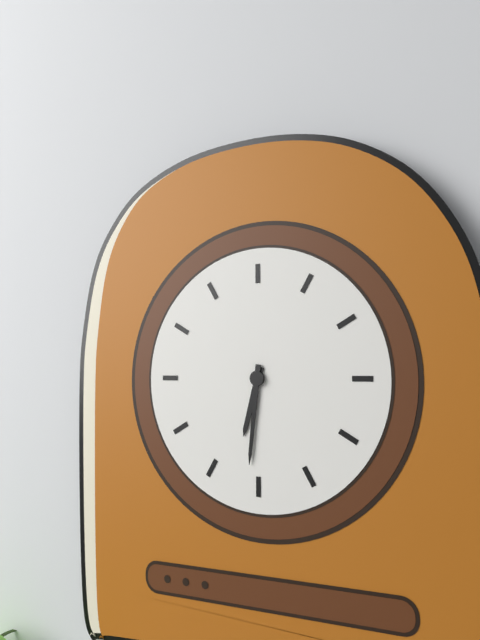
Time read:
6:31
